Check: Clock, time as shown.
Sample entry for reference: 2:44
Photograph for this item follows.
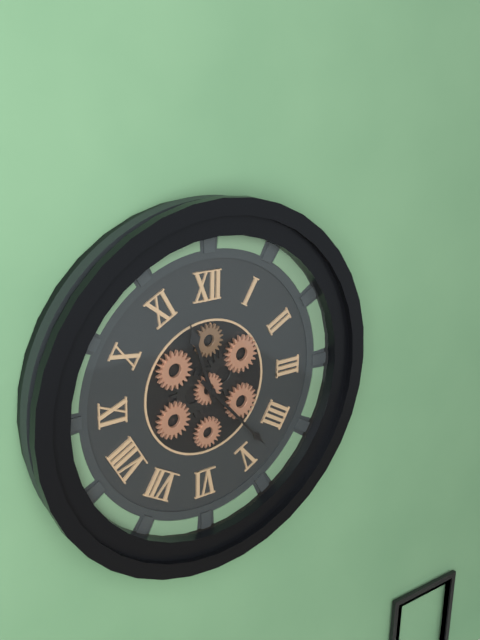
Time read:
11:23
